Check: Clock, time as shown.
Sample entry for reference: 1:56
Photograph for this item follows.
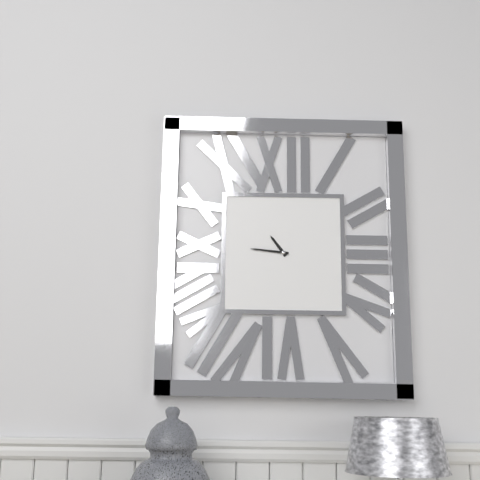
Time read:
10:46
